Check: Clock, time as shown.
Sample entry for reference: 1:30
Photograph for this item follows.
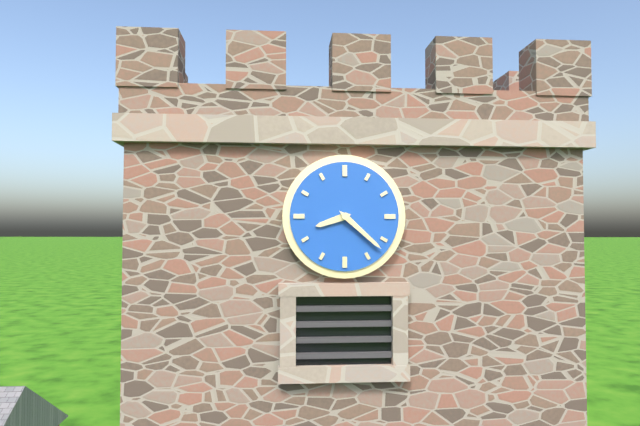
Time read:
8:22
